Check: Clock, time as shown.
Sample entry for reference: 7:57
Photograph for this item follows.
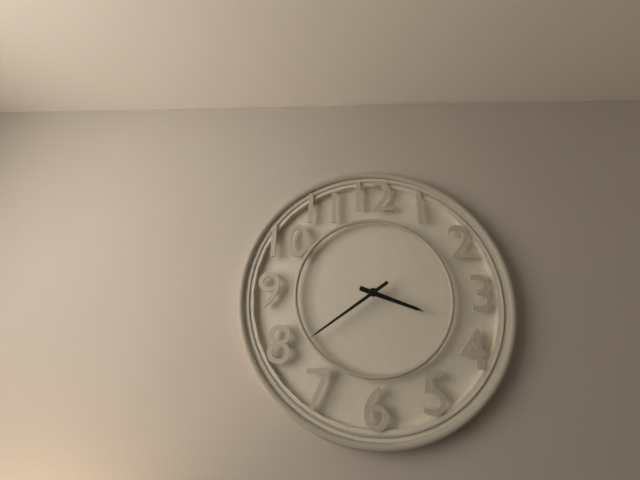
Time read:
3:39
